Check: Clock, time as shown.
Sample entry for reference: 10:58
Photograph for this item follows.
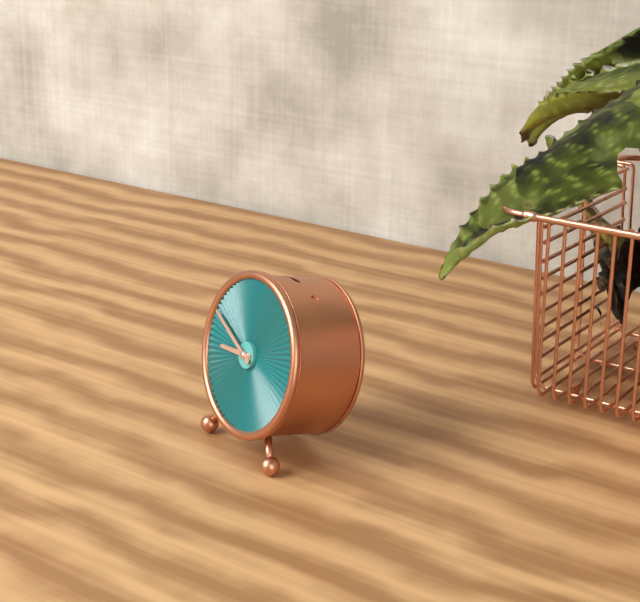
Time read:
8:49
